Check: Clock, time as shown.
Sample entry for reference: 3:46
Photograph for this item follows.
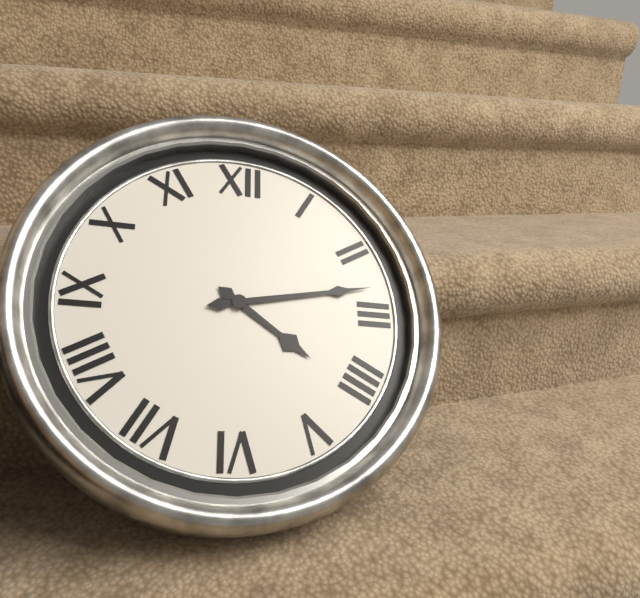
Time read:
4:13
